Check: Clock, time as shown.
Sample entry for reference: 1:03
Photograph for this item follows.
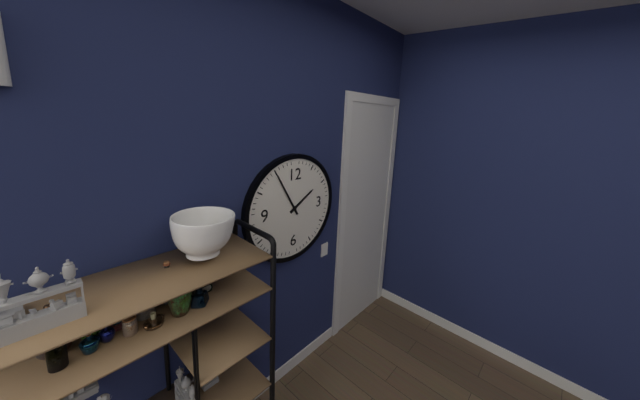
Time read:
1:55
